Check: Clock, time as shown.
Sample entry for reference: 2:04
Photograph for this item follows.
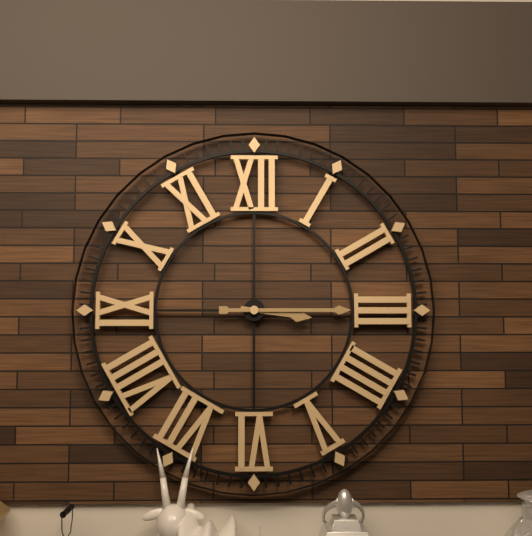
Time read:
3:15
